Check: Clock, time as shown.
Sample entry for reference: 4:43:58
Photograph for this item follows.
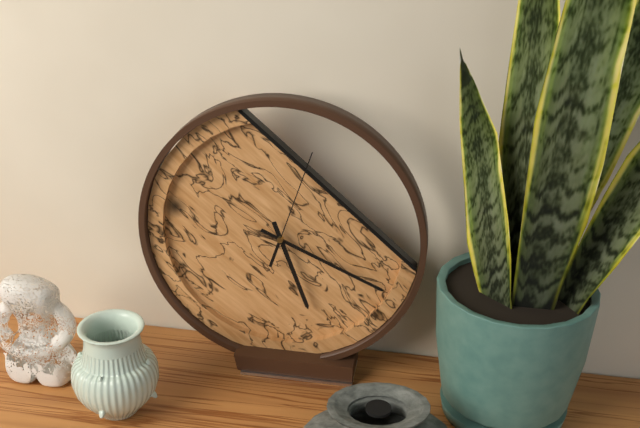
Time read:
5:19:03
